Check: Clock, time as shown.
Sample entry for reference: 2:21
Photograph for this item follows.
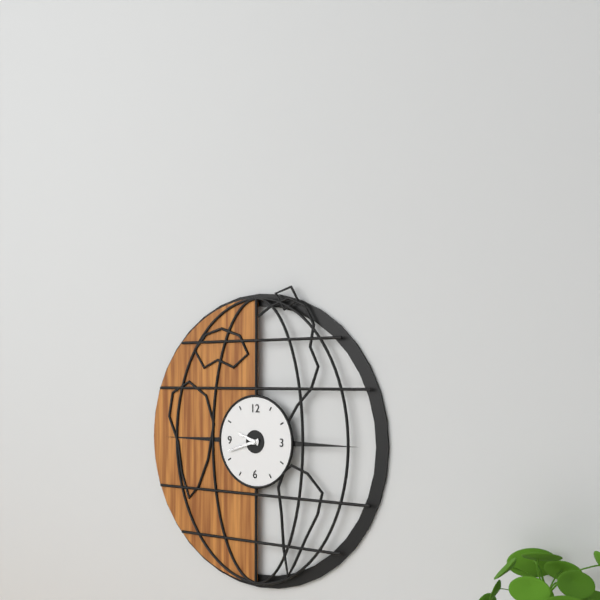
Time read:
9:42
